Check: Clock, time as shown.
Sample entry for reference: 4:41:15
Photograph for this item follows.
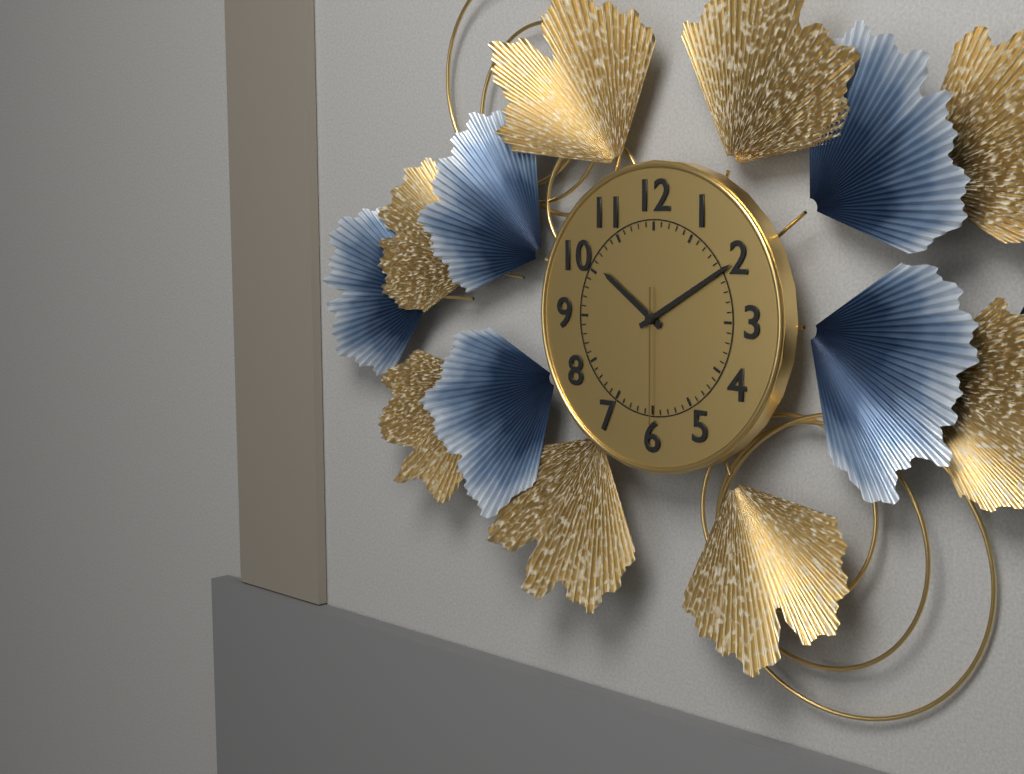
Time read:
10:10:30
